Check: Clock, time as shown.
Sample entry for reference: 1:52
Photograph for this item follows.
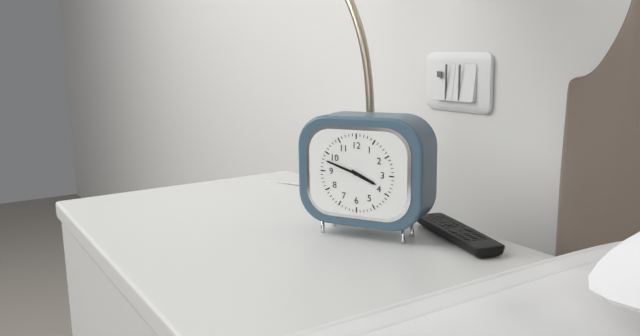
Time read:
3:48
